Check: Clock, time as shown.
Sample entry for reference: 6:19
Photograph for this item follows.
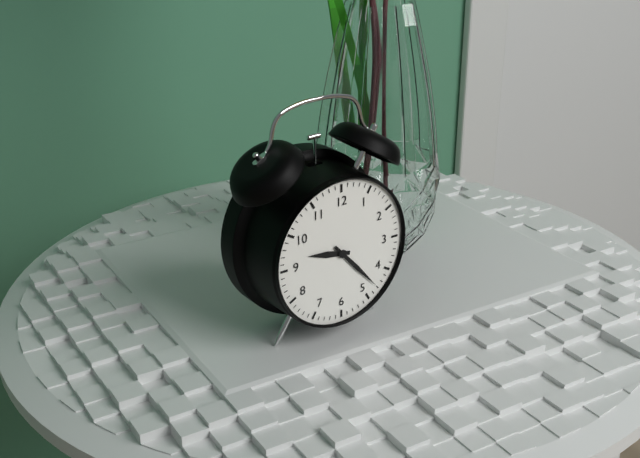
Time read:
9:23
